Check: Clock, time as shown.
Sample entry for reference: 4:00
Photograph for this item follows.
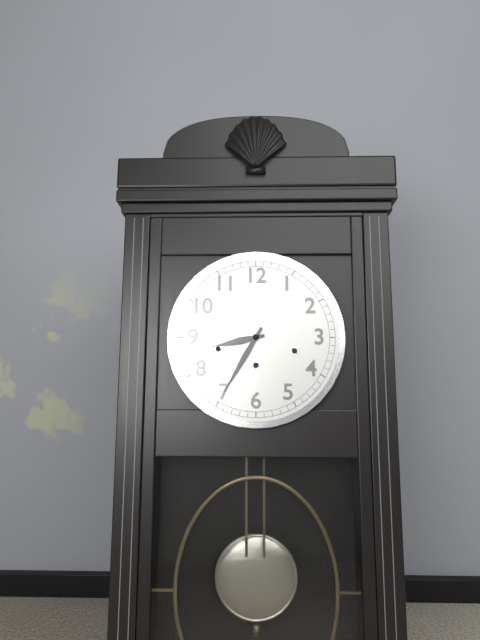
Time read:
8:35
